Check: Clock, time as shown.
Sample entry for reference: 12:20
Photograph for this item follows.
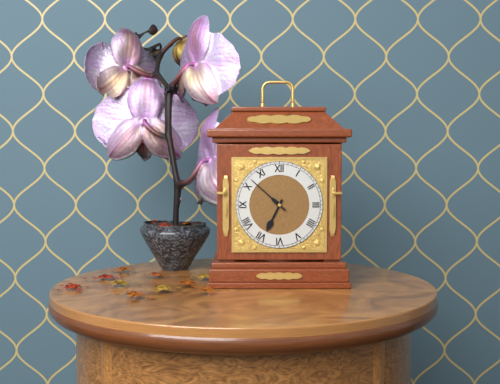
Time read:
6:52
